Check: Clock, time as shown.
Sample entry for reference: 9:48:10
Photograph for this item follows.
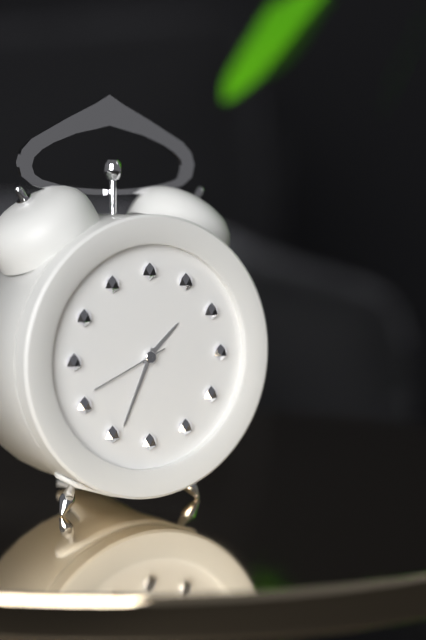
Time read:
1:34:41
